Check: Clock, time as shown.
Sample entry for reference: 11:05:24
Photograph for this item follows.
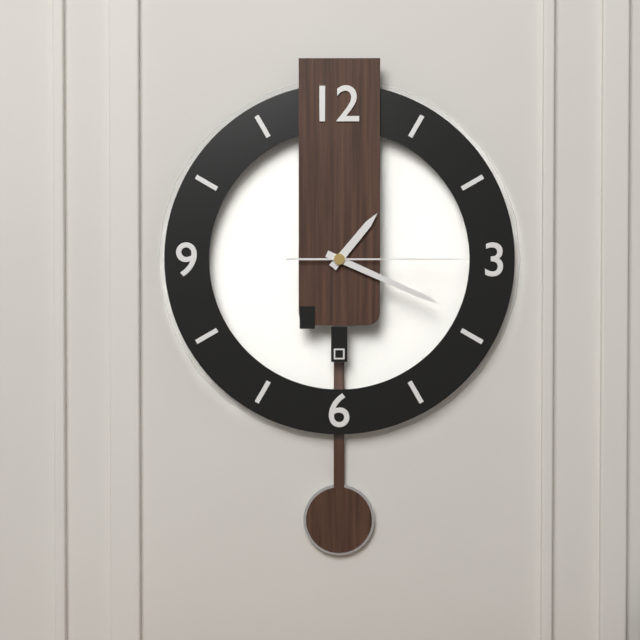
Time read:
1:19:15
